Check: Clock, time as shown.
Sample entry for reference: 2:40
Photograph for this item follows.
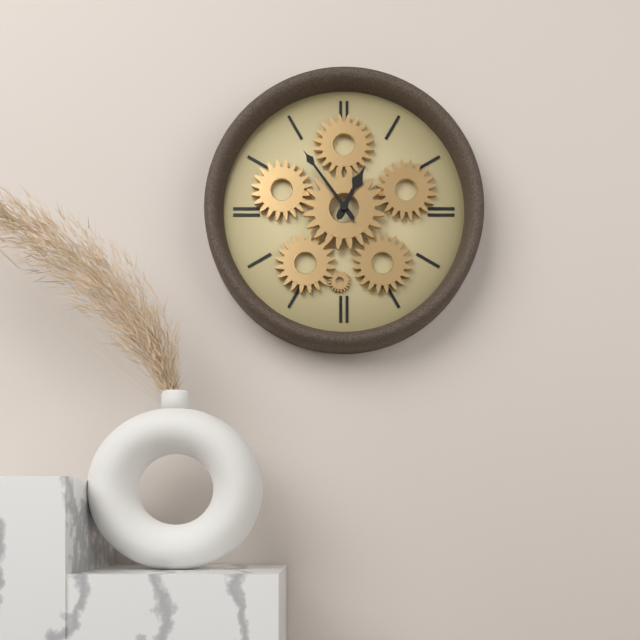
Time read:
12:54
